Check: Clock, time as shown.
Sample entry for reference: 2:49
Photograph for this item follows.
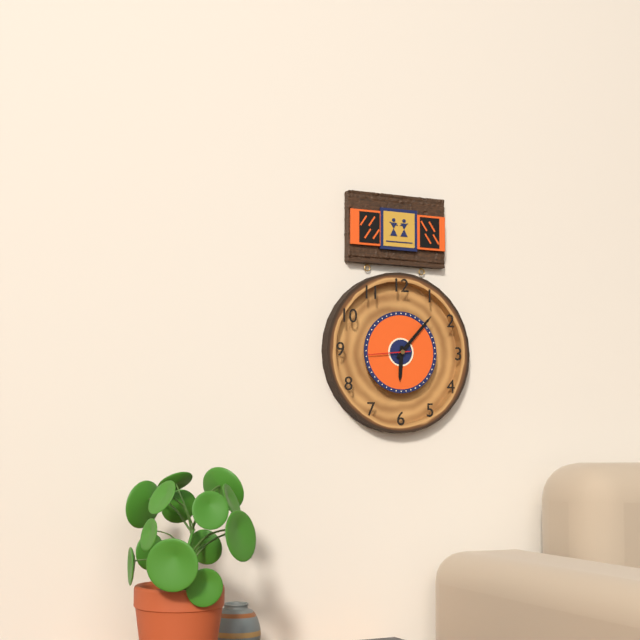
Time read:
6:07
